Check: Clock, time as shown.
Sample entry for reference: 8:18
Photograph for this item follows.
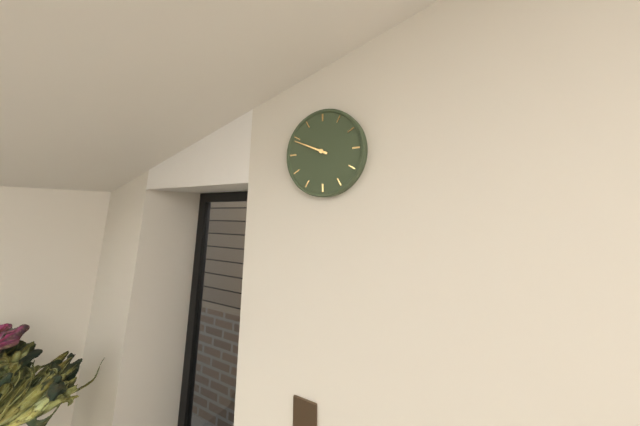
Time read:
9:49
